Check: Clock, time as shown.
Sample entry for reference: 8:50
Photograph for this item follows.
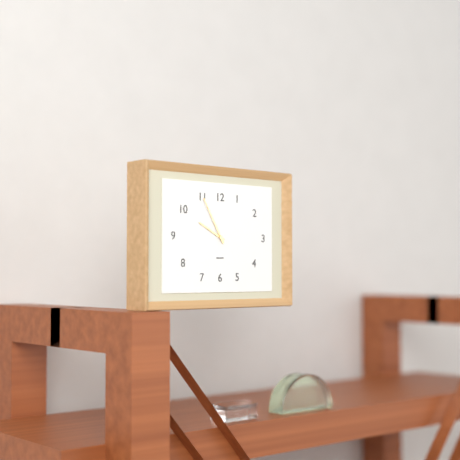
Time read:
9:55
